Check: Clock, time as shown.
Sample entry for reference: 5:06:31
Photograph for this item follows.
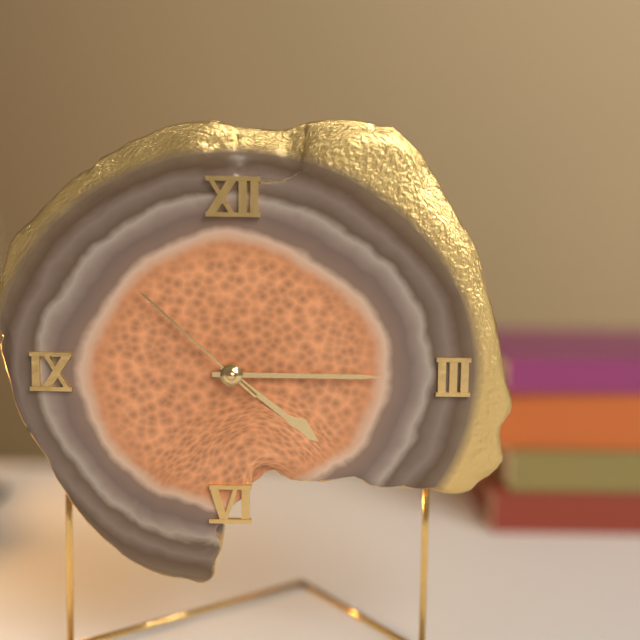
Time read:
4:15:52
